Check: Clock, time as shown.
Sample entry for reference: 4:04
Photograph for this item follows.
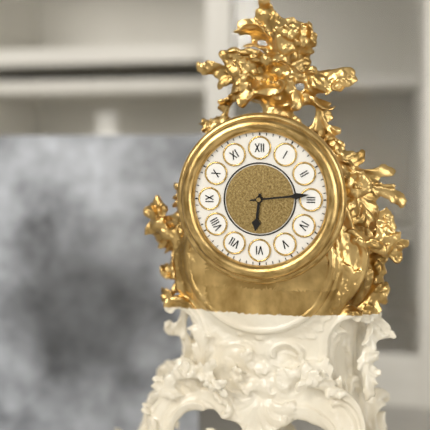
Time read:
6:14
